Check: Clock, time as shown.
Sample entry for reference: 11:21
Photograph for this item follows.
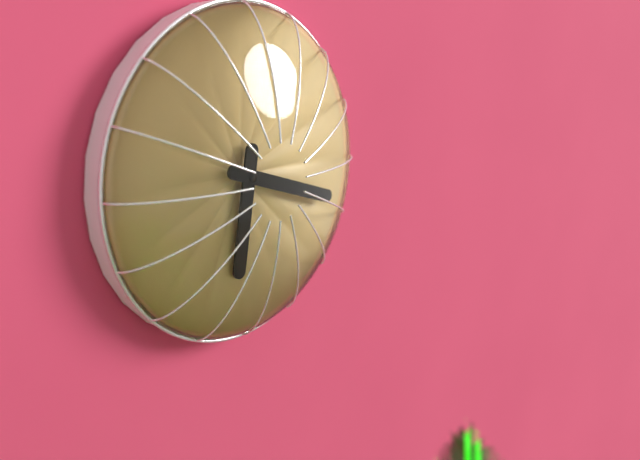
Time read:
6:18
